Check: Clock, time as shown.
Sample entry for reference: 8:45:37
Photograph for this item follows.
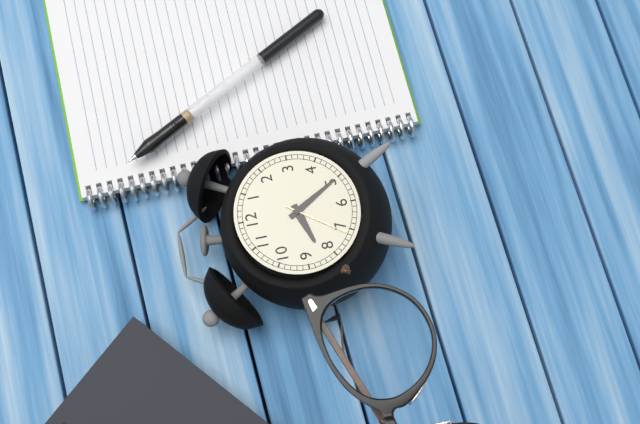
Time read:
8:25:36
